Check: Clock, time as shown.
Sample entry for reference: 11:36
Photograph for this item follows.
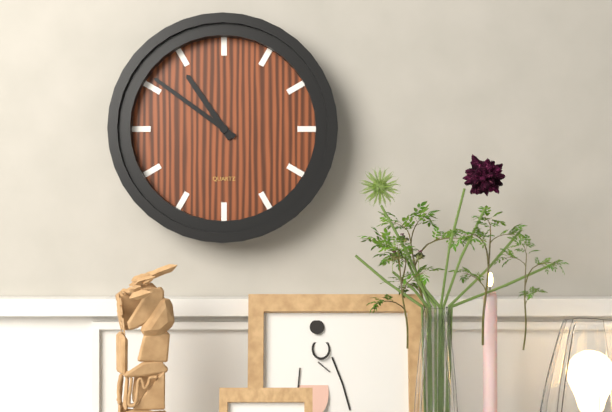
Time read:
10:51
